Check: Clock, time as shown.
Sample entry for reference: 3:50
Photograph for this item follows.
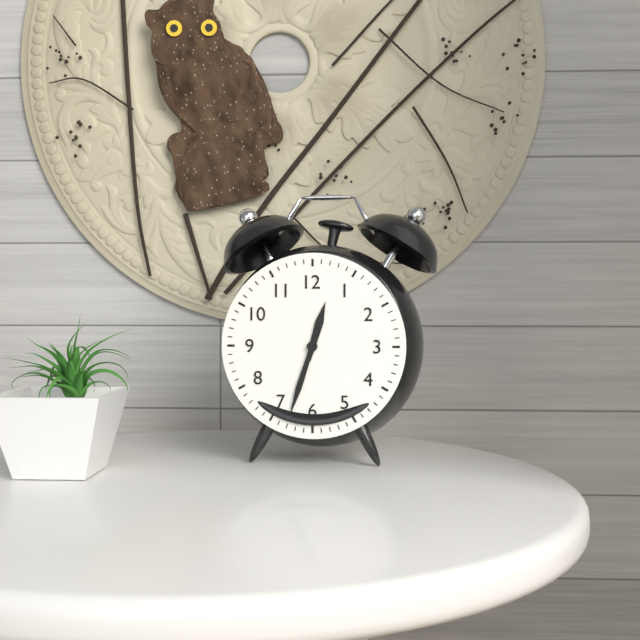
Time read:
12:33
